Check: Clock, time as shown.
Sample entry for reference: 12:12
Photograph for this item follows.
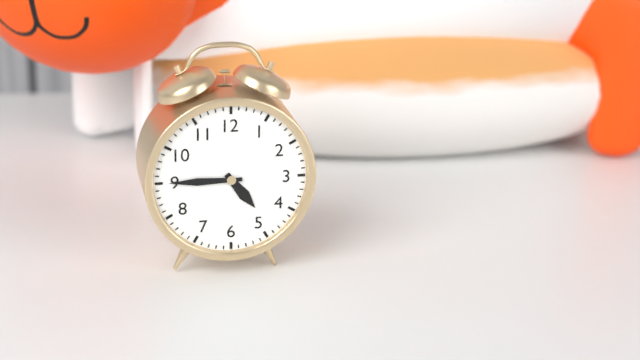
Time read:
4:45
